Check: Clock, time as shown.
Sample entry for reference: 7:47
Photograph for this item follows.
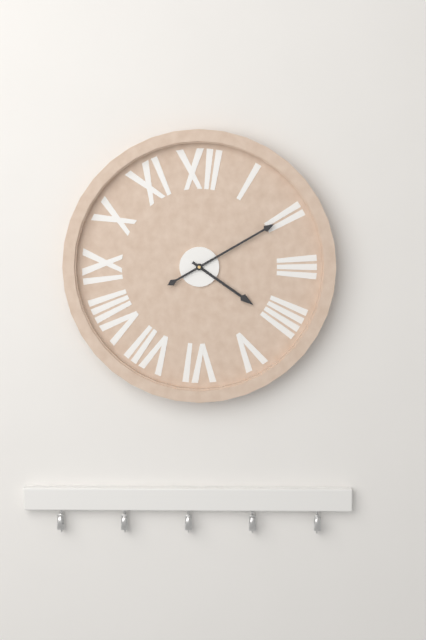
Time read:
4:10
